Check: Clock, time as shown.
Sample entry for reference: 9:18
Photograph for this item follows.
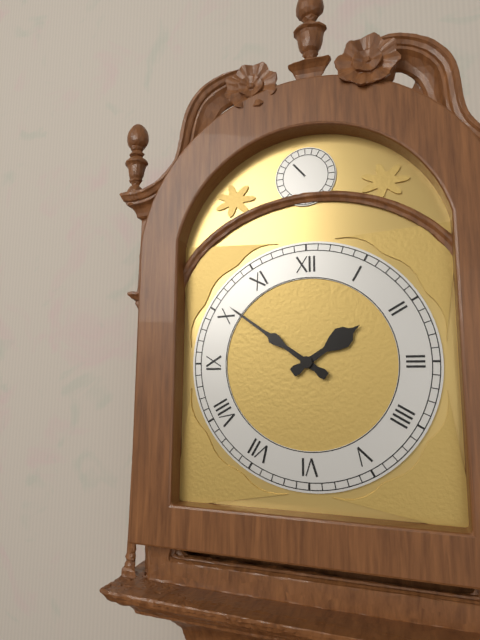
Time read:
1:51
